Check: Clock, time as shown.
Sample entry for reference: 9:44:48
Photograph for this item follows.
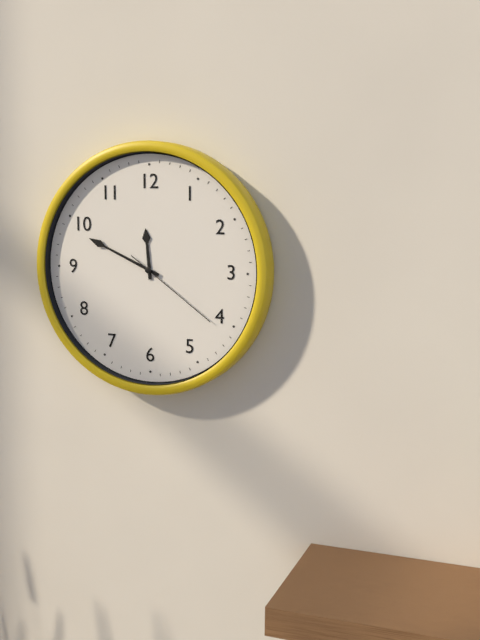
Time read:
11:49:21
